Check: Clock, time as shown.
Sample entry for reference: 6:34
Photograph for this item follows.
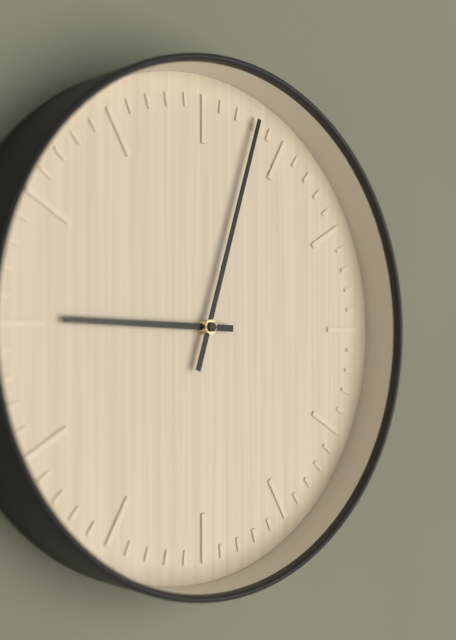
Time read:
9:03
